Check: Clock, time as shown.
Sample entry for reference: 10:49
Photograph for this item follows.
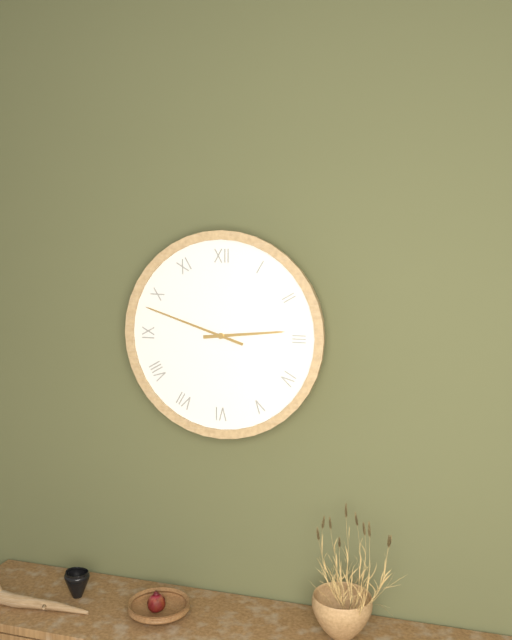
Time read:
2:48
